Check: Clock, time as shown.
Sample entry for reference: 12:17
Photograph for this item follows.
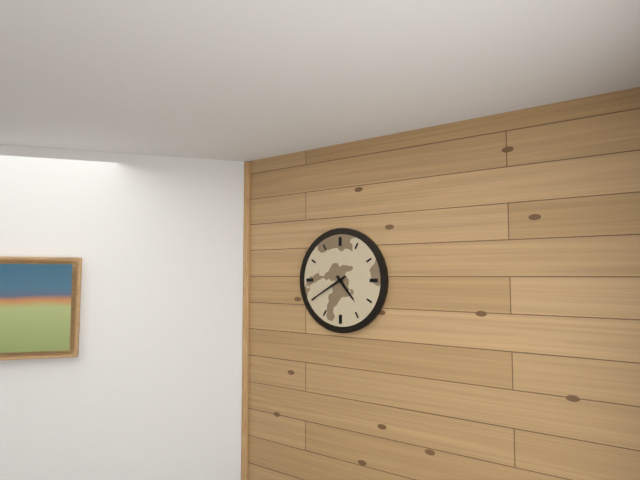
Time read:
4:40
